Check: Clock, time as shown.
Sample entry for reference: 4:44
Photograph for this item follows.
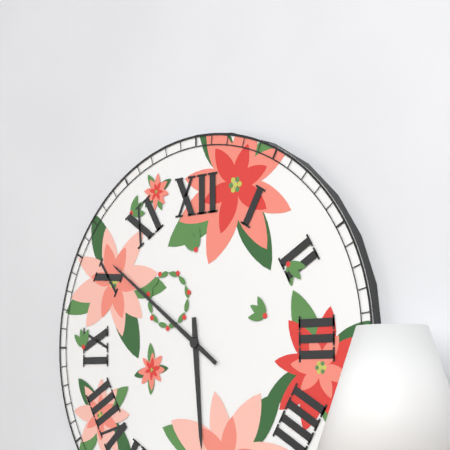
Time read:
5:51
